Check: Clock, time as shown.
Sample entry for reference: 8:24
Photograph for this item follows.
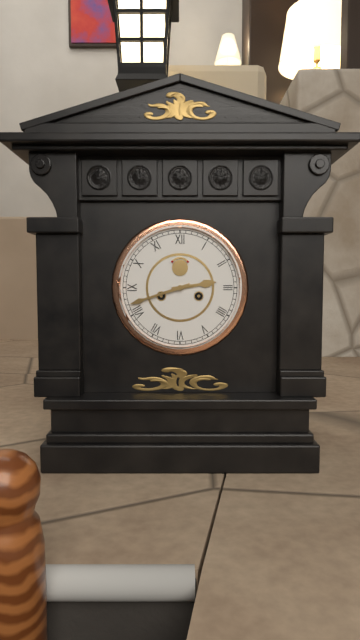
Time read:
2:42
